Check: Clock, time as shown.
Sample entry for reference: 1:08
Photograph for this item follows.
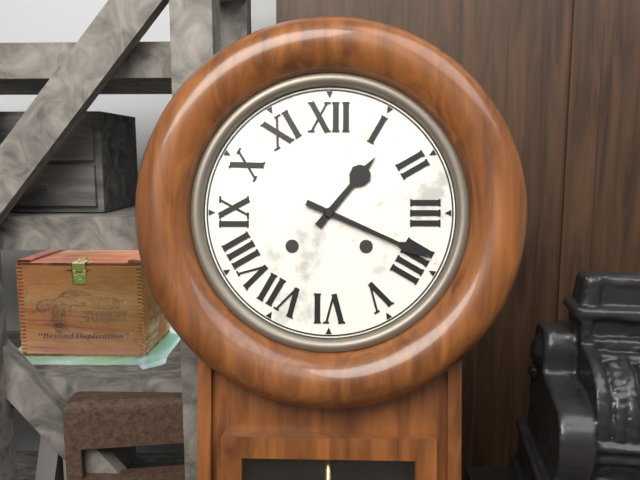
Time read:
1:19
